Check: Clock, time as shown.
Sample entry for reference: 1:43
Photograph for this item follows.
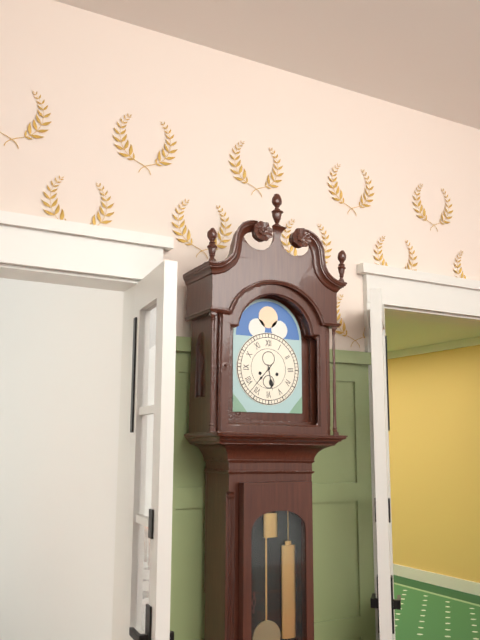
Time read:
5:37
